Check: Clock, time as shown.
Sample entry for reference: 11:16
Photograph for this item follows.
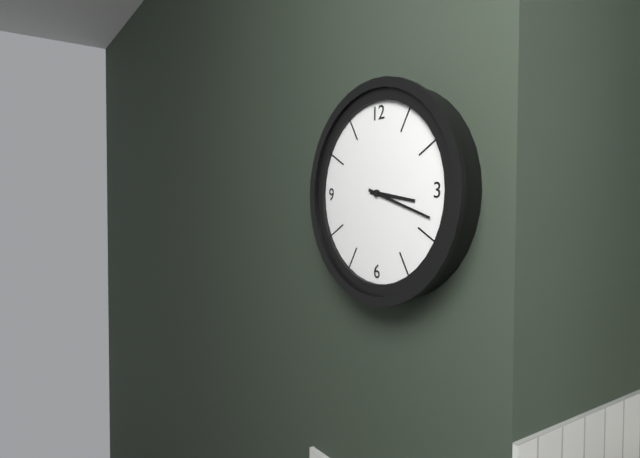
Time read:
3:18
